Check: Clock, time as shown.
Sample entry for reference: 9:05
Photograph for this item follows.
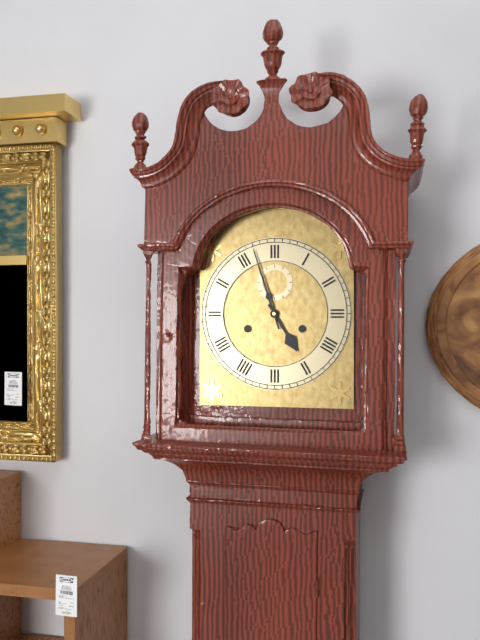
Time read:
4:57
